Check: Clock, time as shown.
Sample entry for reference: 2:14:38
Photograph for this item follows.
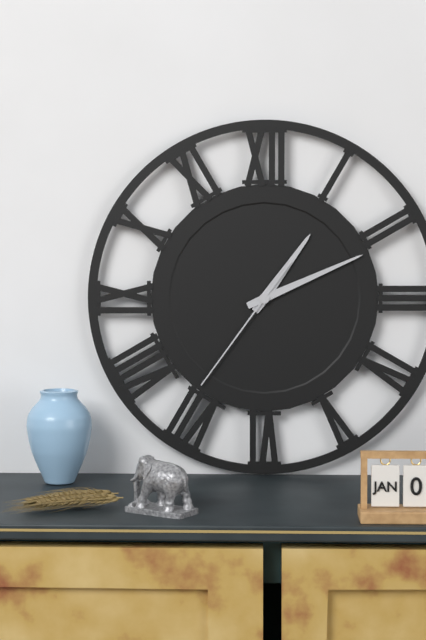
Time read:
1:11:36
